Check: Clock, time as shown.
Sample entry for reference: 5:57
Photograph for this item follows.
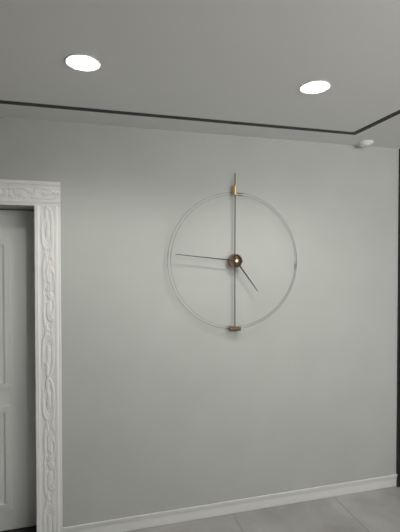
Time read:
4:46
